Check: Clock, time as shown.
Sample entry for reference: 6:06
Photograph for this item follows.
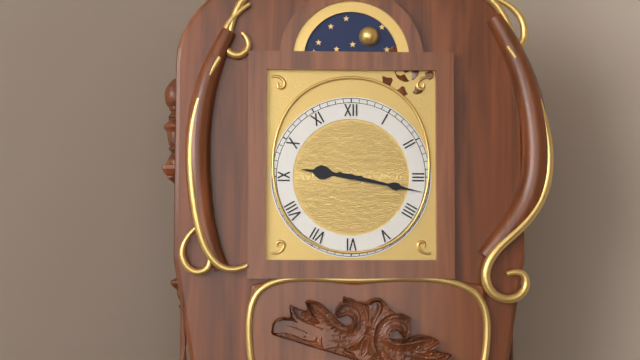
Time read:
9:17
